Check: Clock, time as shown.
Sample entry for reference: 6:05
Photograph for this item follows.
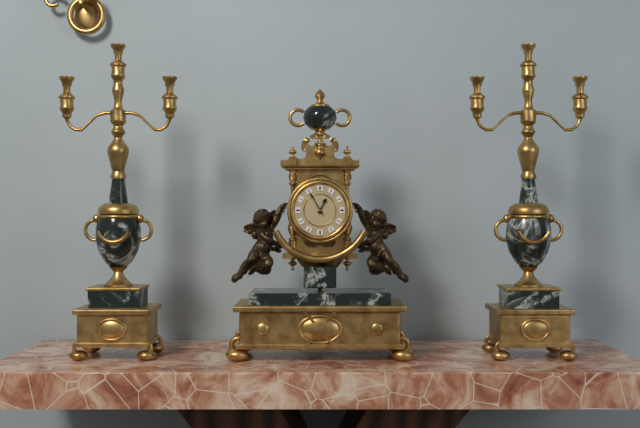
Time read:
12:55
